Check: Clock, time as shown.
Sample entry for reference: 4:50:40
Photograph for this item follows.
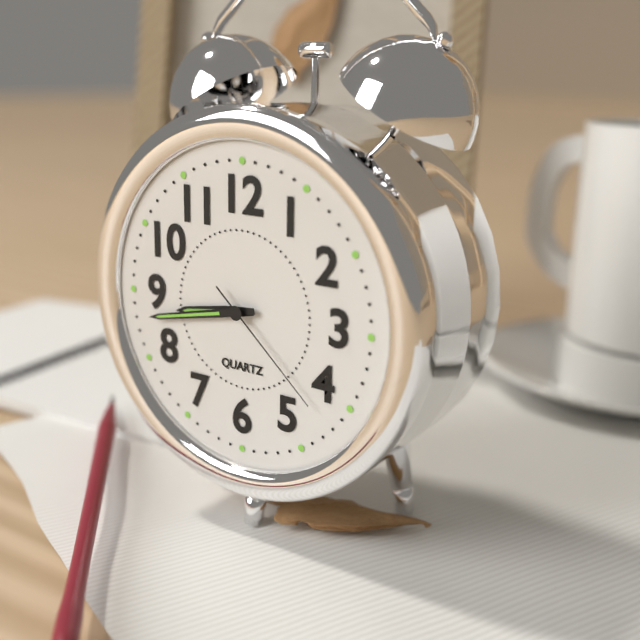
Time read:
8:43:22
